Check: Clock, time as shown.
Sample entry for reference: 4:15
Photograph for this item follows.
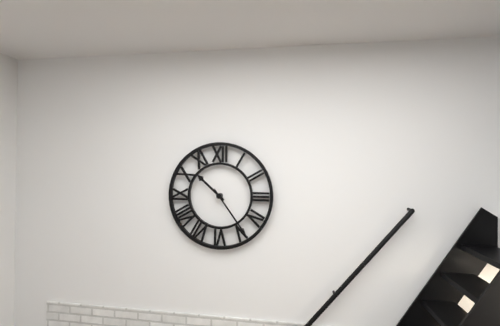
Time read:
10:24
